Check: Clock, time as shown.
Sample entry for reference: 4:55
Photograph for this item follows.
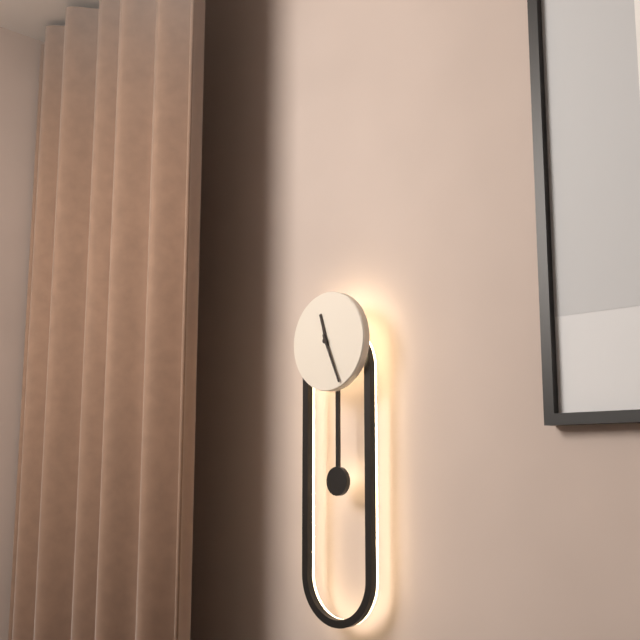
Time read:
11:26
